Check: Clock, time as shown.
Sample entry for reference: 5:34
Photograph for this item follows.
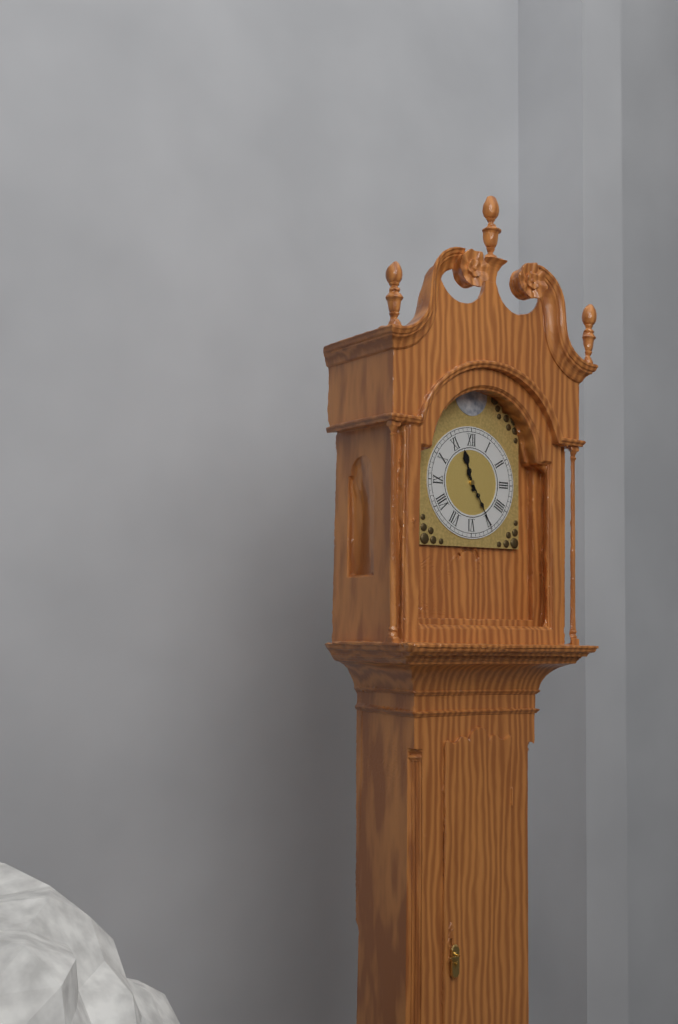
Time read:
11:25
